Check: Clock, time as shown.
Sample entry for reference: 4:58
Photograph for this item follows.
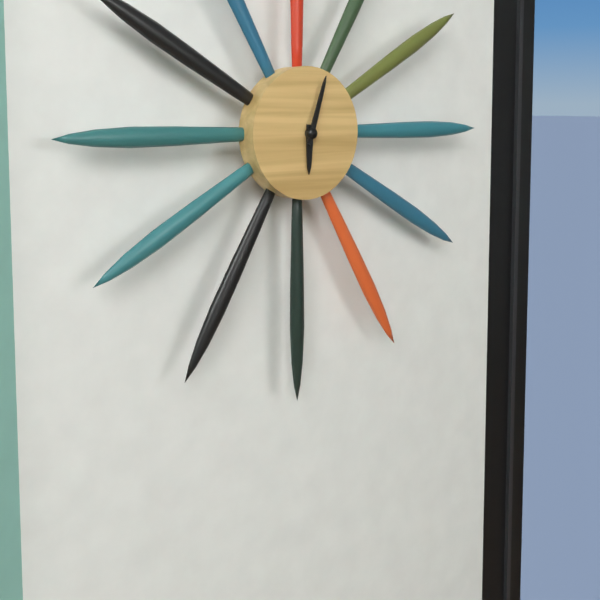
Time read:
6:03
